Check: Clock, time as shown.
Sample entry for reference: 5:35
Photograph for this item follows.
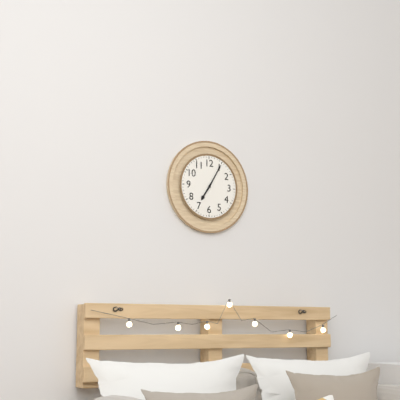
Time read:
7:05
